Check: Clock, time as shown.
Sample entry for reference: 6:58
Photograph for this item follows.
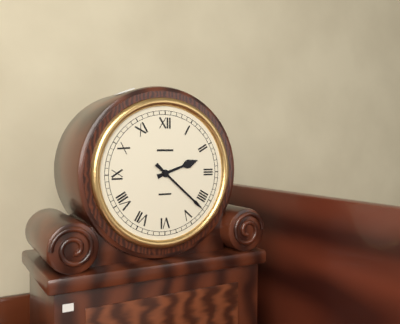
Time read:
2:22
